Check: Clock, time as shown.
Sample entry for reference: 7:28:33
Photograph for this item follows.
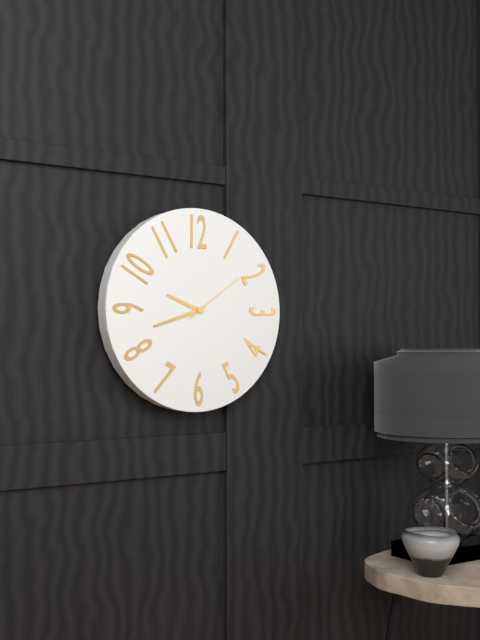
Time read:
9:42:09
